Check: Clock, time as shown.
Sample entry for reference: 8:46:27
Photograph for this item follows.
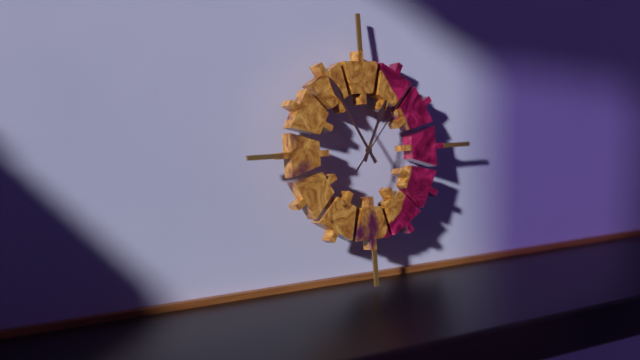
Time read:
12:55:07
